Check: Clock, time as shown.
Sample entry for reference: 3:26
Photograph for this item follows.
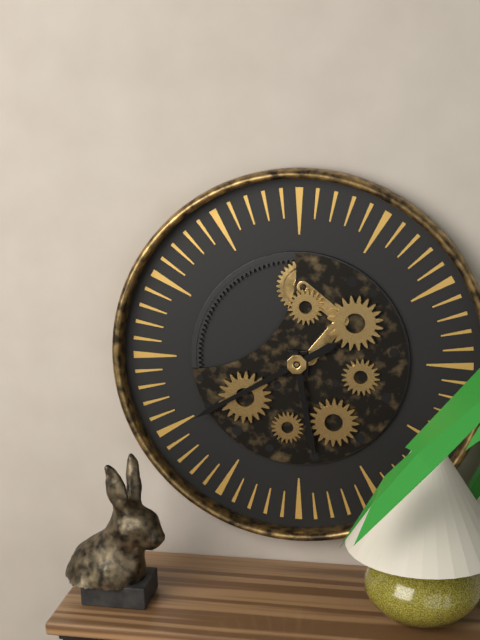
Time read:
5:40
